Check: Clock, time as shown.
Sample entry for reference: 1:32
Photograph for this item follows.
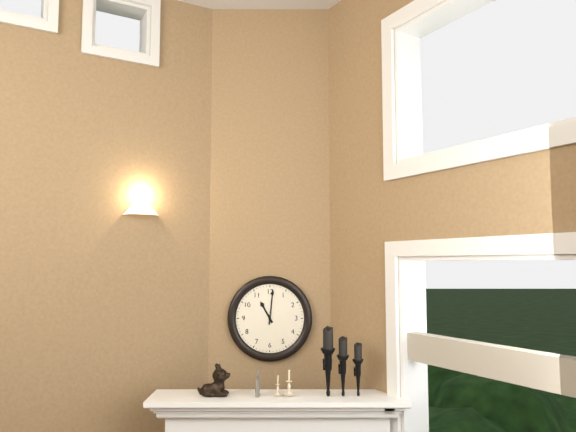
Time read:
11:01
